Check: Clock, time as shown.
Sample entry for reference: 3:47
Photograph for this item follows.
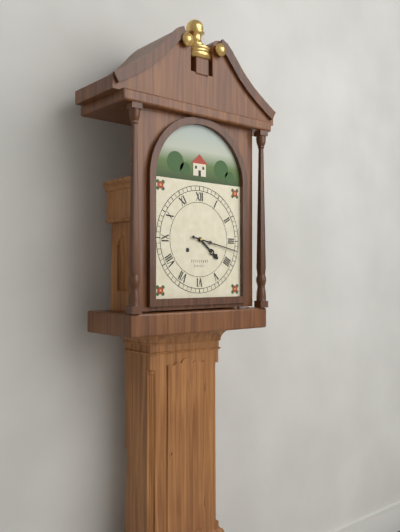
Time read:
4:17
